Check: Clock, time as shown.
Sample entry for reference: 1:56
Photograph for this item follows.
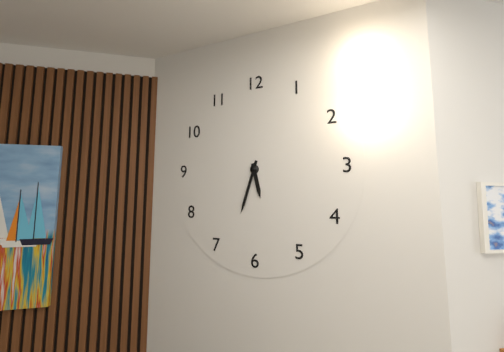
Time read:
5:33
